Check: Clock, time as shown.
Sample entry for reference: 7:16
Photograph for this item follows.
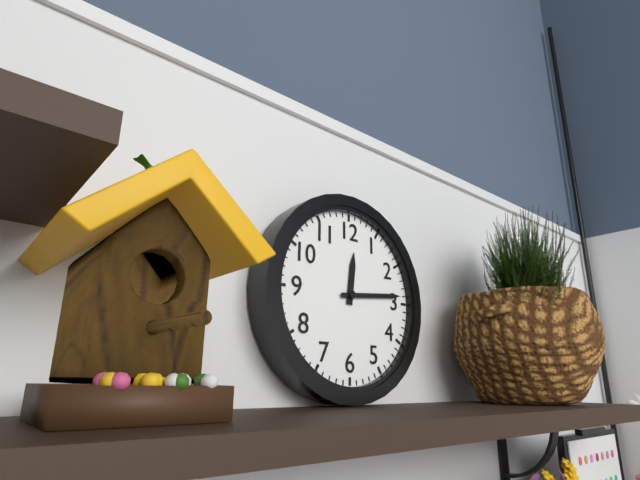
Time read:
12:14
